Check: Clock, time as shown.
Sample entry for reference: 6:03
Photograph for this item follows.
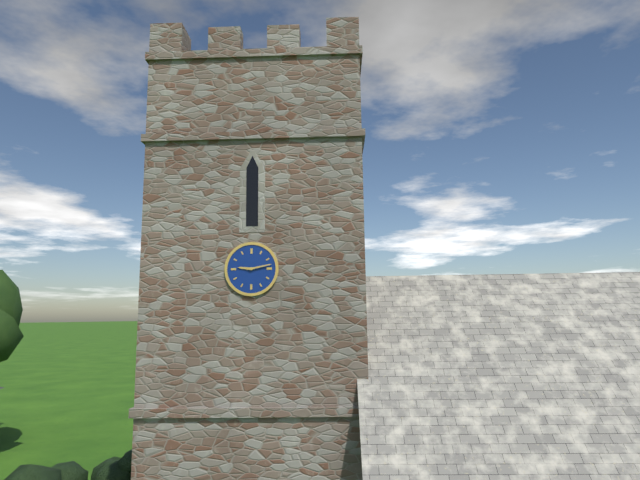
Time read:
9:13
